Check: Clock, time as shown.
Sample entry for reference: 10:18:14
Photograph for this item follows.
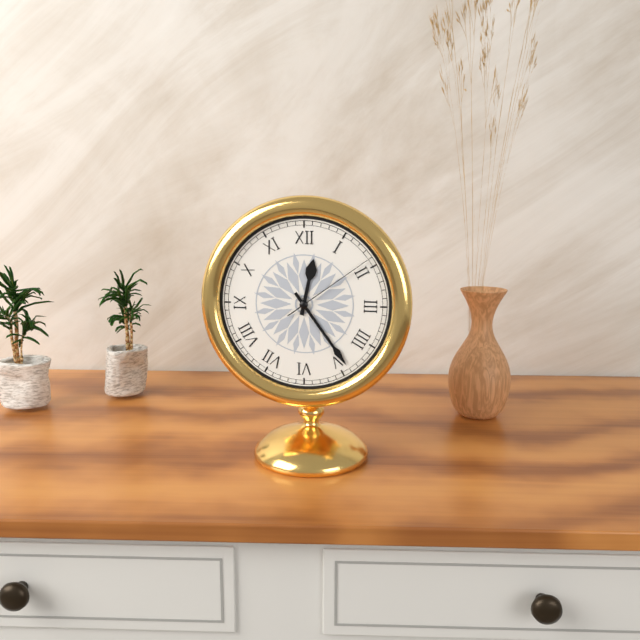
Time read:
12:24:09
